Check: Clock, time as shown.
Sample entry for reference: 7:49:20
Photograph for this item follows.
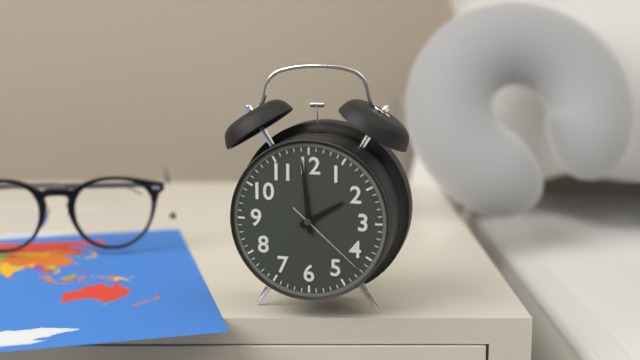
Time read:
1:59:22
